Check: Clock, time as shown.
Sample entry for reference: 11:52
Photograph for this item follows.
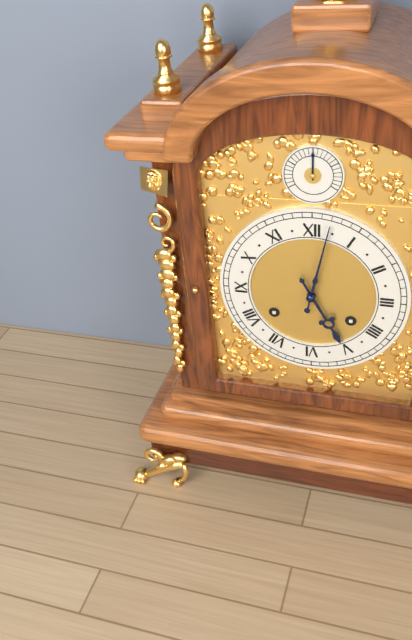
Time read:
5:02
